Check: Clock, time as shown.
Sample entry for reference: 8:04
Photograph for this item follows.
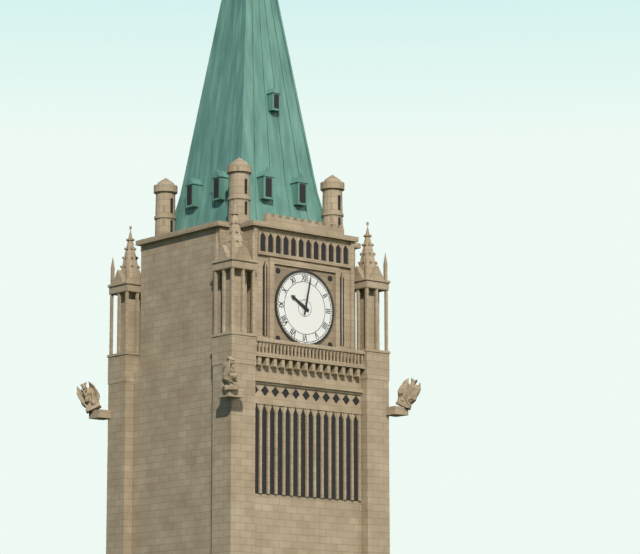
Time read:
10:02
